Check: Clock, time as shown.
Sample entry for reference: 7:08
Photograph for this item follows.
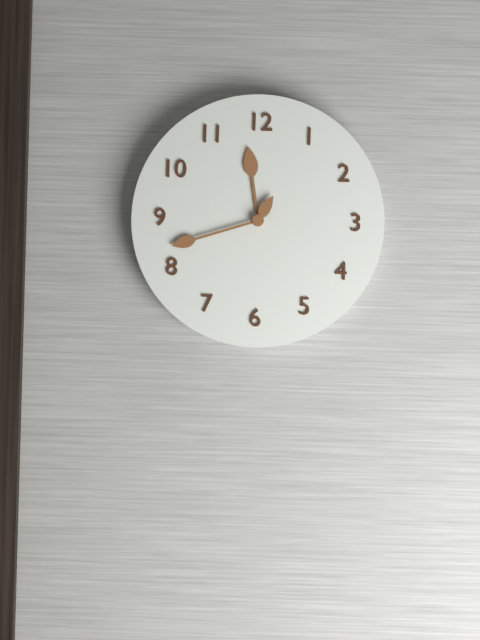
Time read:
11:42
